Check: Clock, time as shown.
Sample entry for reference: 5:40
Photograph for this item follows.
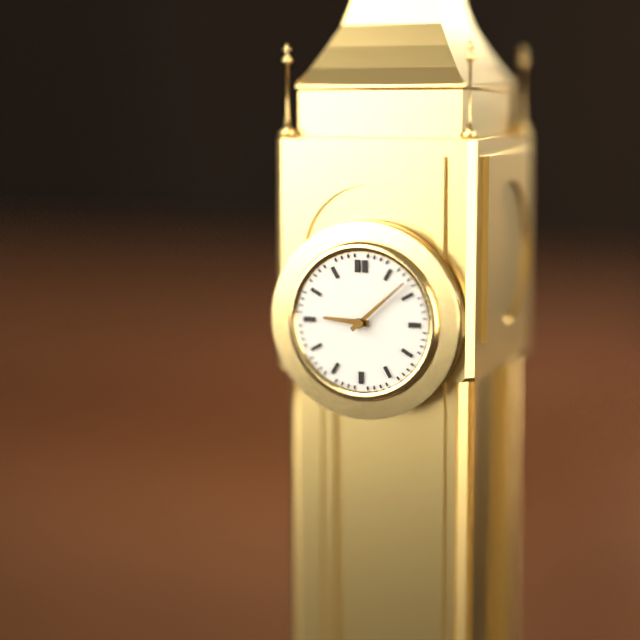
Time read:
9:08
